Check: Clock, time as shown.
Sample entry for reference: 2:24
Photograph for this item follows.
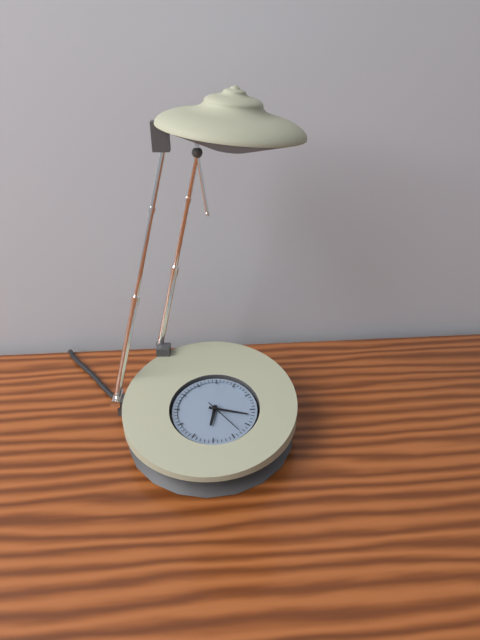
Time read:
6:17
